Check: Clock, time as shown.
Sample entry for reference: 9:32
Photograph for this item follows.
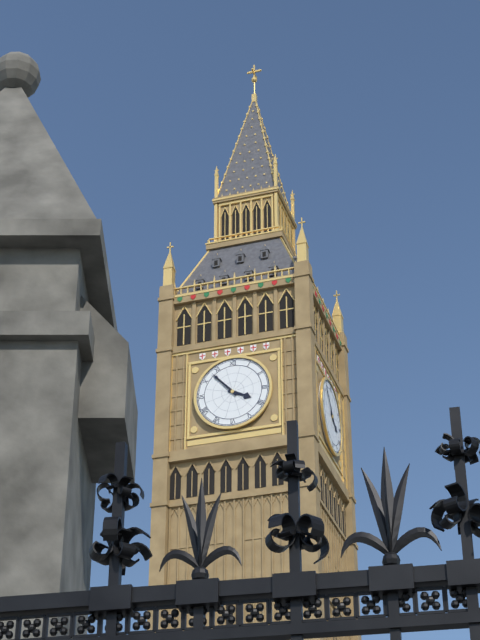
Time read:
3:53
